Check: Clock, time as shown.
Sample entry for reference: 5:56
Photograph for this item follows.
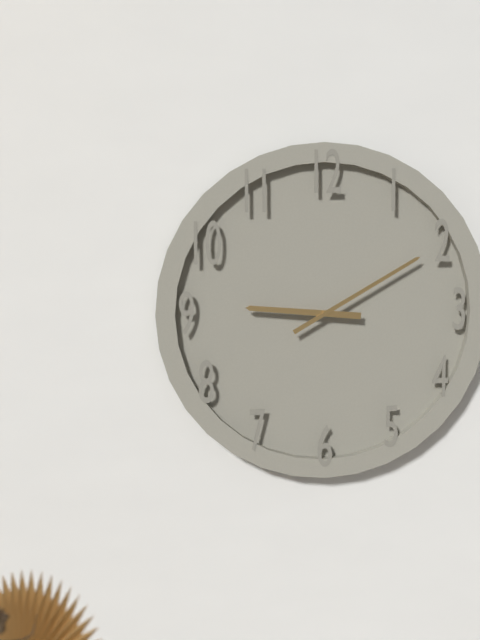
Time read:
9:10
